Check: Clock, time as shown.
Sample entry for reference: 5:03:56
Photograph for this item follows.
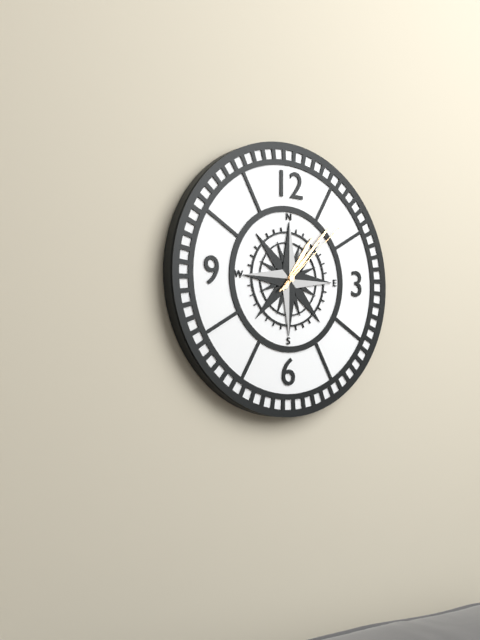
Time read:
1:07:08
